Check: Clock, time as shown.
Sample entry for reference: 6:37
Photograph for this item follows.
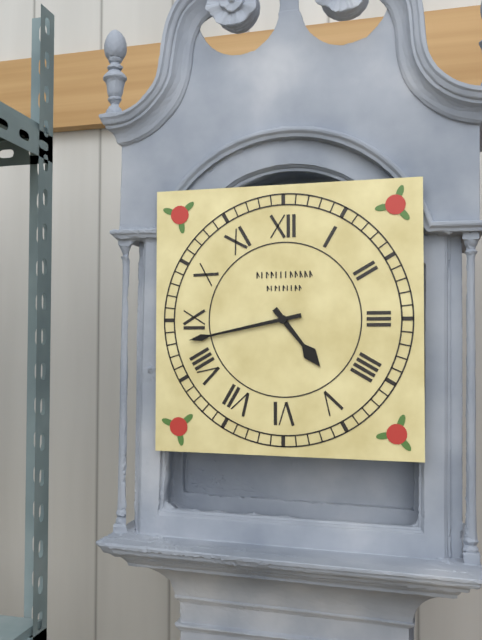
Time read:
4:43
